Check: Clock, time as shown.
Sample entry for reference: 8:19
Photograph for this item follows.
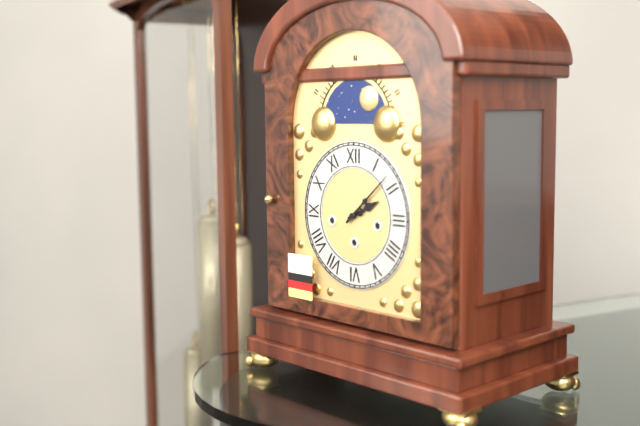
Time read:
2:08
